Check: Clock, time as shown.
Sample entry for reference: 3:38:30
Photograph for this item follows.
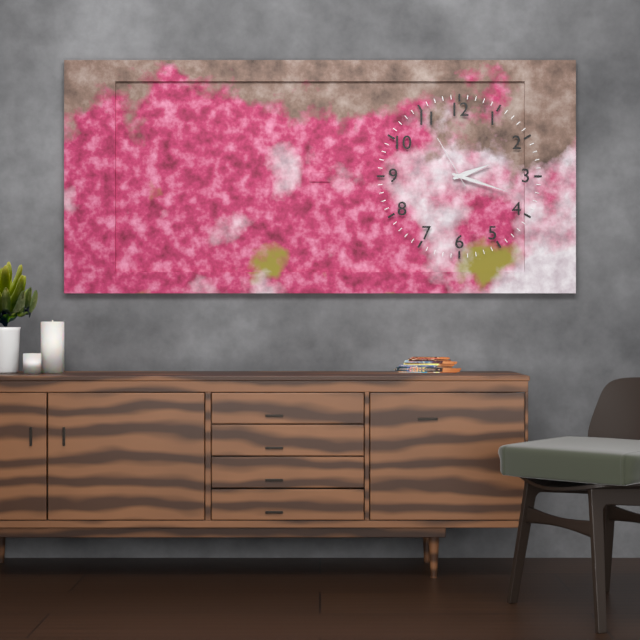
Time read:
2:18:55
